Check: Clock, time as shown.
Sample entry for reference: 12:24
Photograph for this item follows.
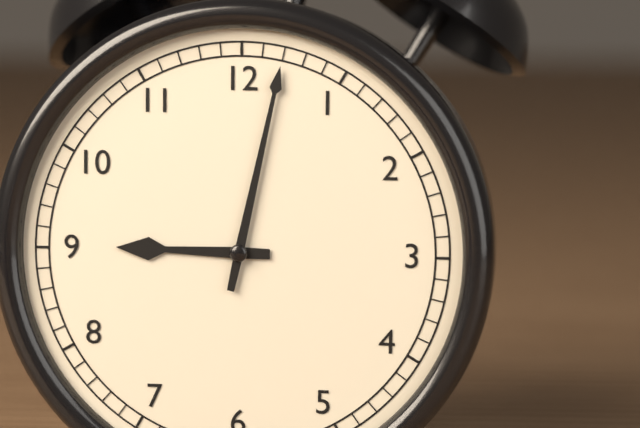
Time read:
9:02
